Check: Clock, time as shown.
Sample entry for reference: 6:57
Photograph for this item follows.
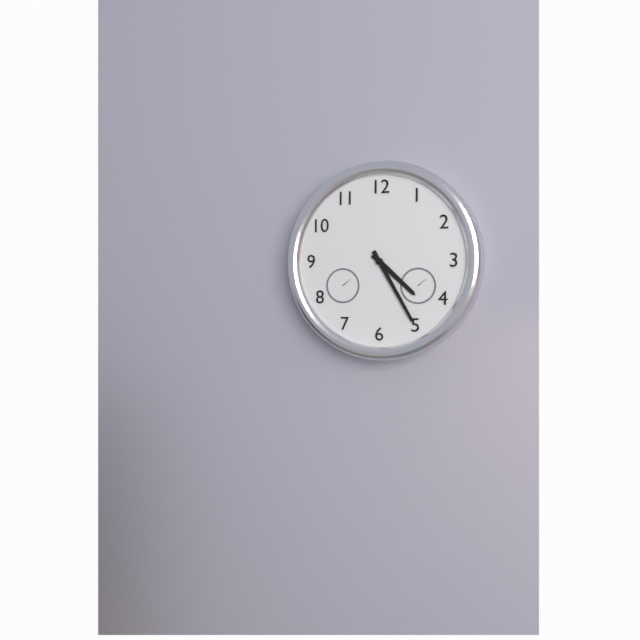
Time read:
4:25
